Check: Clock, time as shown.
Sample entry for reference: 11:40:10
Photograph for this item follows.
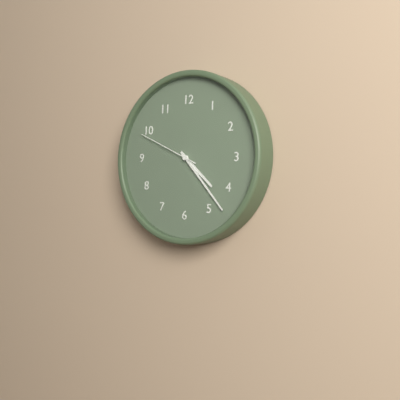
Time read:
4:23:49
